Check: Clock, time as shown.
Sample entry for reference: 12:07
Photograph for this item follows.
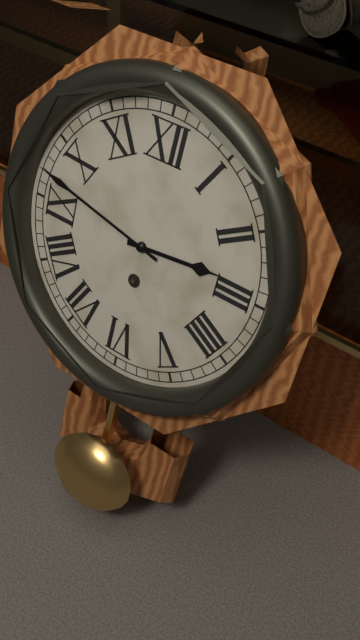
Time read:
2:47
